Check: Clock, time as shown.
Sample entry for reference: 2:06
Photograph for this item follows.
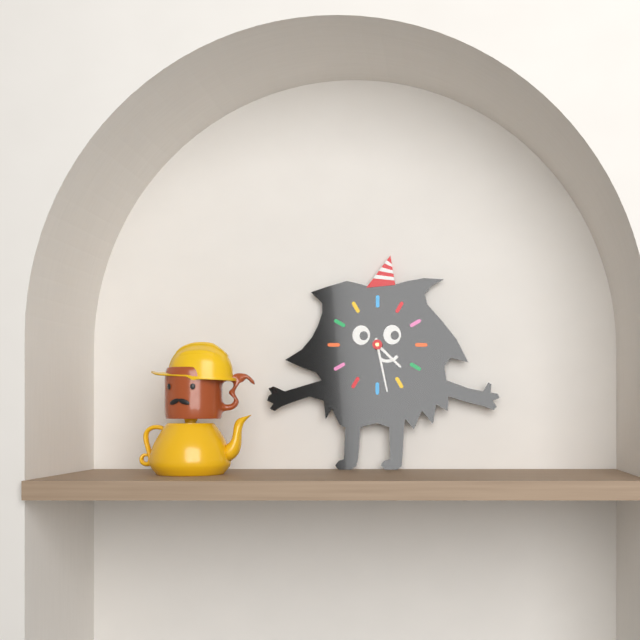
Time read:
4:28
